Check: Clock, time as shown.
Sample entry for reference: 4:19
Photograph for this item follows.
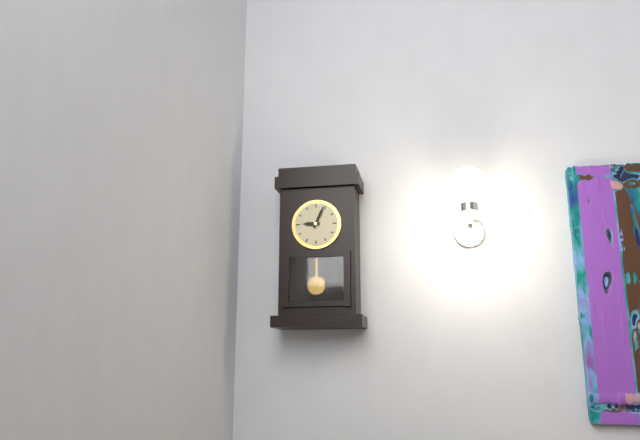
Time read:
9:04
